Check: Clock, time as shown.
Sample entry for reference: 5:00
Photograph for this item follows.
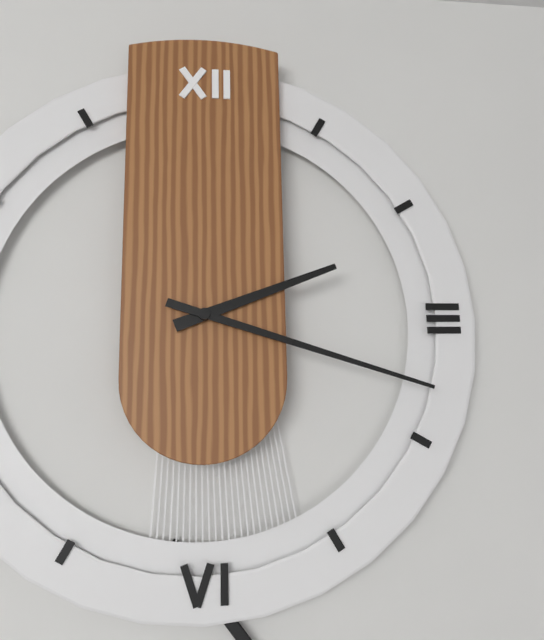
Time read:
2:18
